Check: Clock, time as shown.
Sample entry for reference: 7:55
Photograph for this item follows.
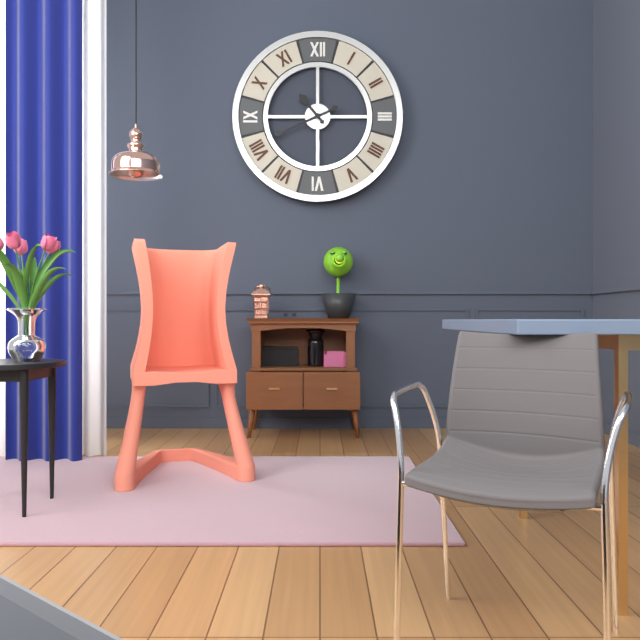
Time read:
10:41
